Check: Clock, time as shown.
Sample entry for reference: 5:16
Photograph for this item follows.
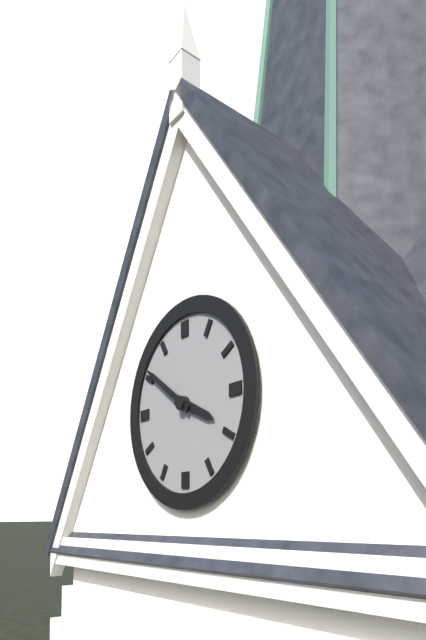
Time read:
3:51
